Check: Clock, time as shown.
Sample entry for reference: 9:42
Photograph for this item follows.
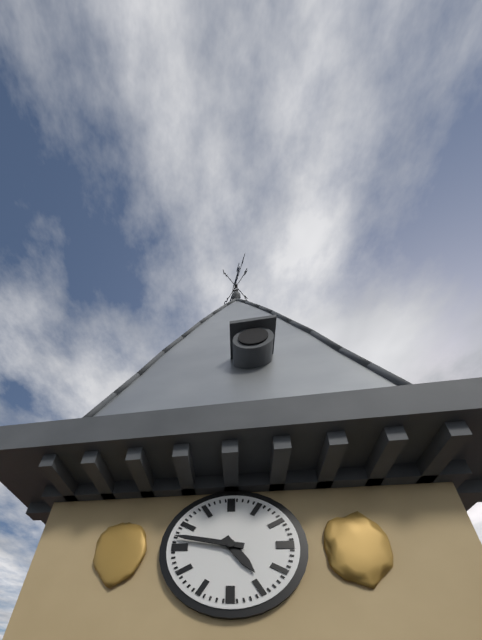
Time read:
4:47
